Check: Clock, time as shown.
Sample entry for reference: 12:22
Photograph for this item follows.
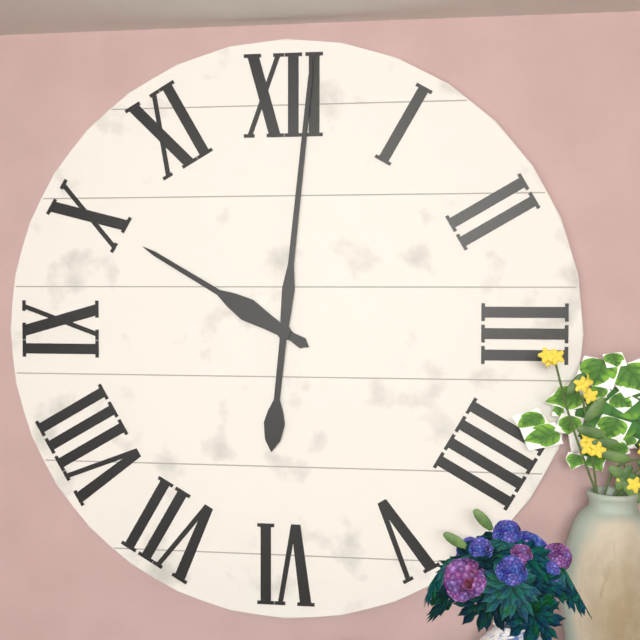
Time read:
10:01
